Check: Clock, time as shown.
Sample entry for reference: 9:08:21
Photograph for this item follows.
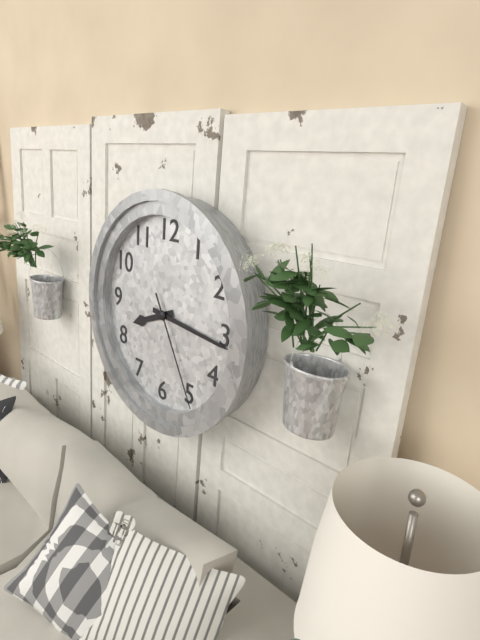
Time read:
8:16:25
